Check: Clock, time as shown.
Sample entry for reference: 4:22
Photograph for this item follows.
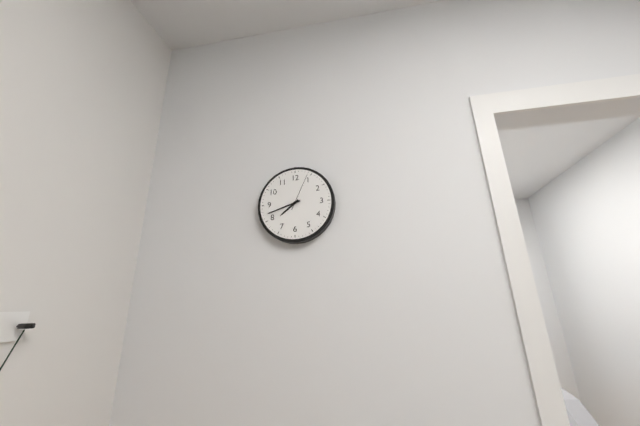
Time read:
7:42
